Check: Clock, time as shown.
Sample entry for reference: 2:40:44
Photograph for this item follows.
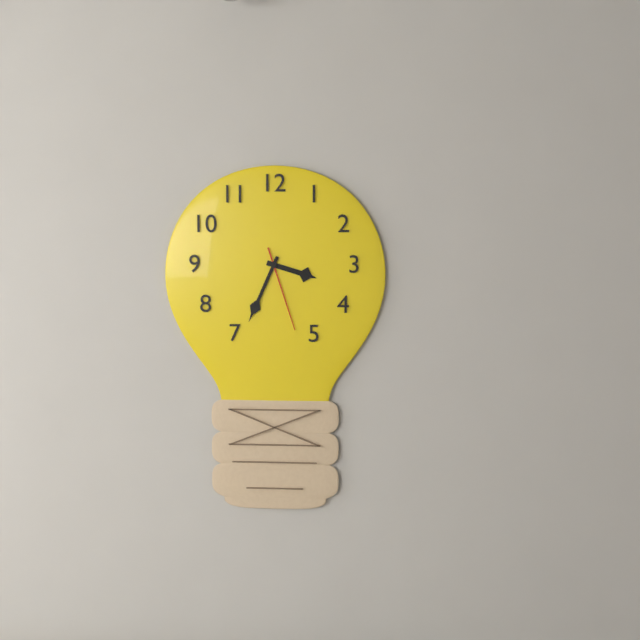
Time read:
3:34:27
